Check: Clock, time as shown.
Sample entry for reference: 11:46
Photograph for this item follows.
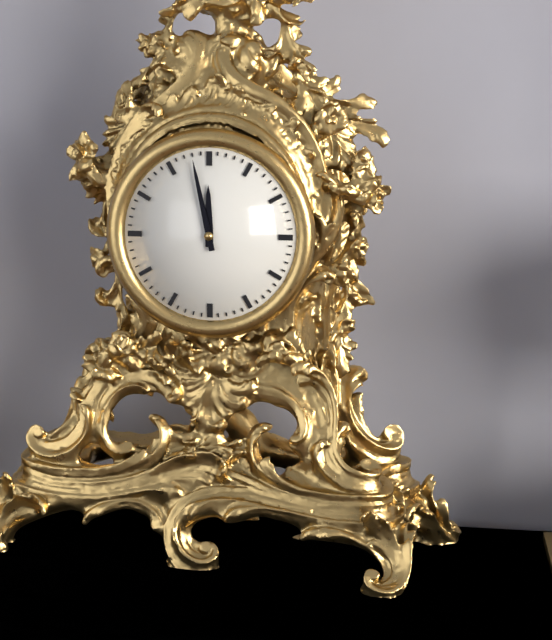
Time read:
11:58
